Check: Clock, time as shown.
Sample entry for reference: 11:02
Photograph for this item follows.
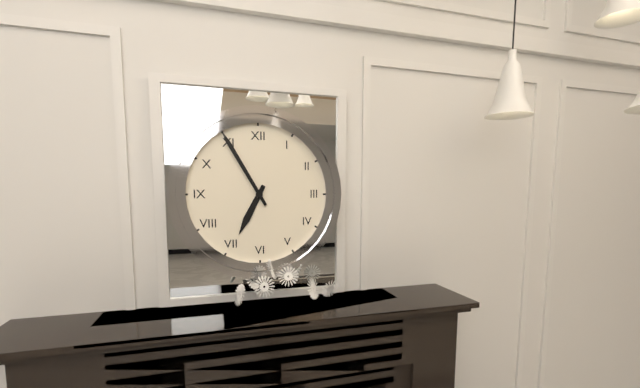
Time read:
6:55
